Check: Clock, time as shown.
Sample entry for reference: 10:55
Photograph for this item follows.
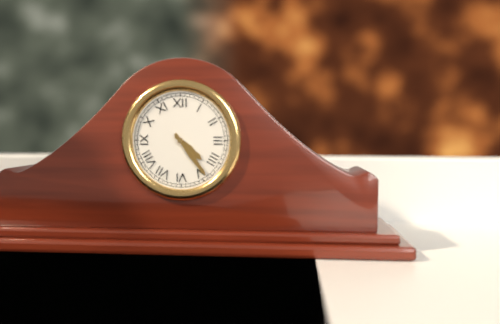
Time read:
4:24
